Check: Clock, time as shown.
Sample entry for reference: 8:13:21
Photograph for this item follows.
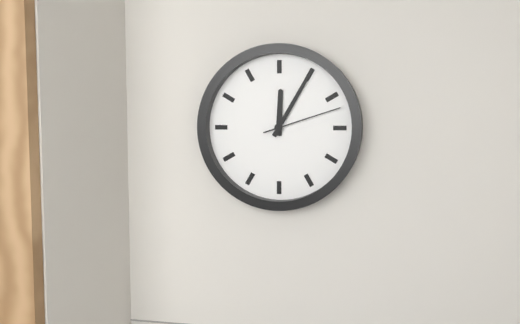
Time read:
12:05:12
